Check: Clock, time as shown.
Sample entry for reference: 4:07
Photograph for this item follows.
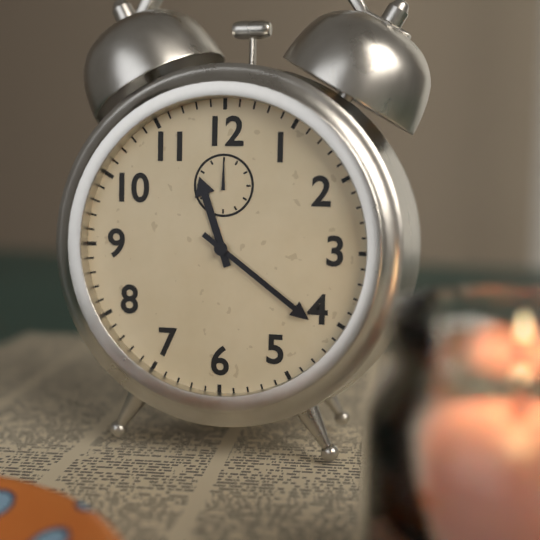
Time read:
11:21
